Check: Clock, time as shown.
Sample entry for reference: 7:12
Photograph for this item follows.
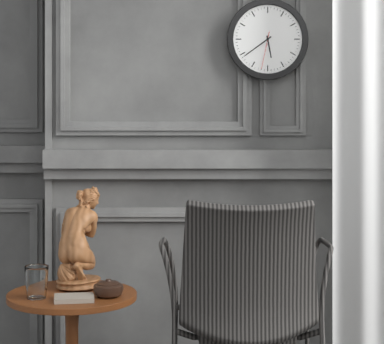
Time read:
5:39
